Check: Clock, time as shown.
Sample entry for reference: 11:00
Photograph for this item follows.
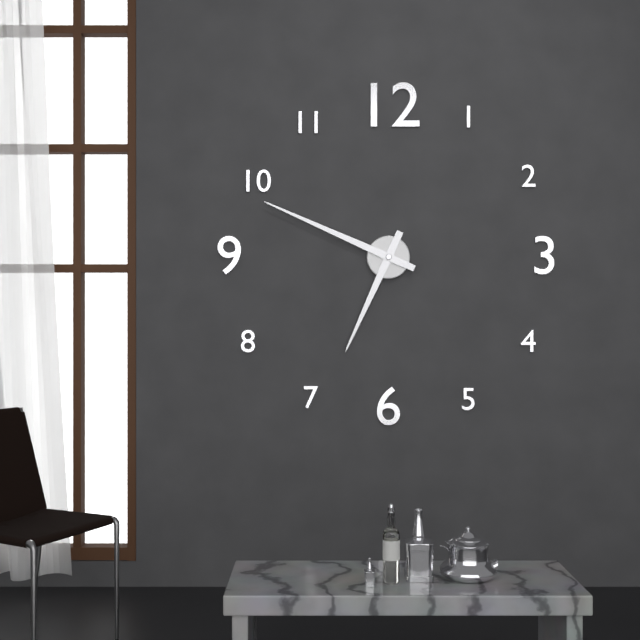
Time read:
6:49
